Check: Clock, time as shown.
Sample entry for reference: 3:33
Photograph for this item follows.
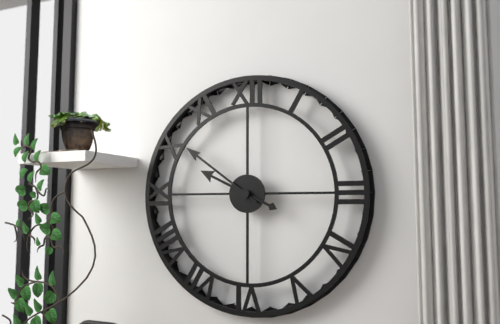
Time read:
9:51
